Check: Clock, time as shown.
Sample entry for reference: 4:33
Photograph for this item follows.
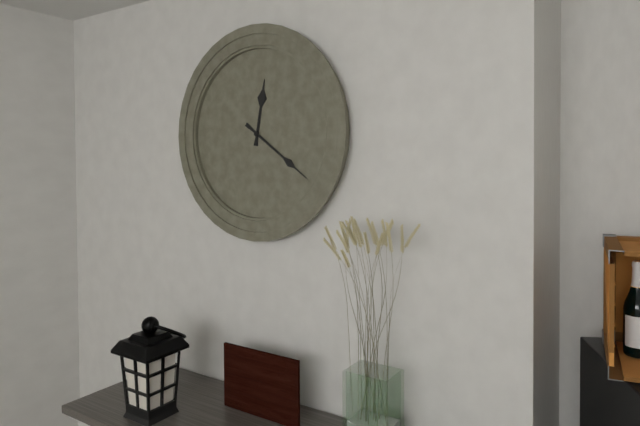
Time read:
12:21
